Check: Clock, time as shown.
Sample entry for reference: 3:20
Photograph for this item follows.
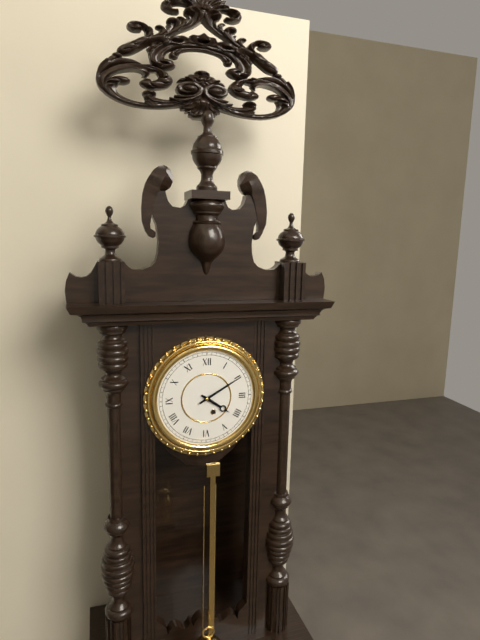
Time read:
4:10
